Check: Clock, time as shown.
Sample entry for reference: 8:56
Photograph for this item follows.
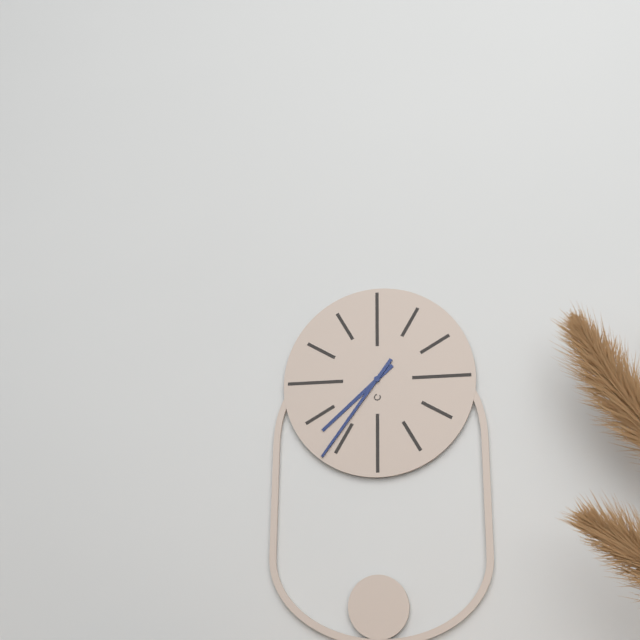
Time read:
7:36
